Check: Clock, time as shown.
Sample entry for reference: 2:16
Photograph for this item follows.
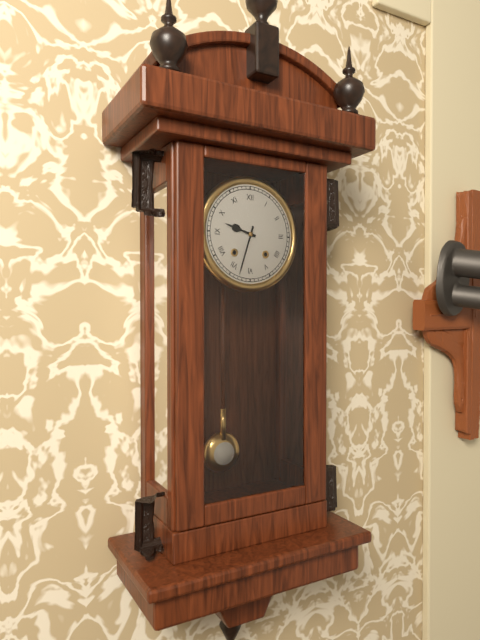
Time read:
9:33
